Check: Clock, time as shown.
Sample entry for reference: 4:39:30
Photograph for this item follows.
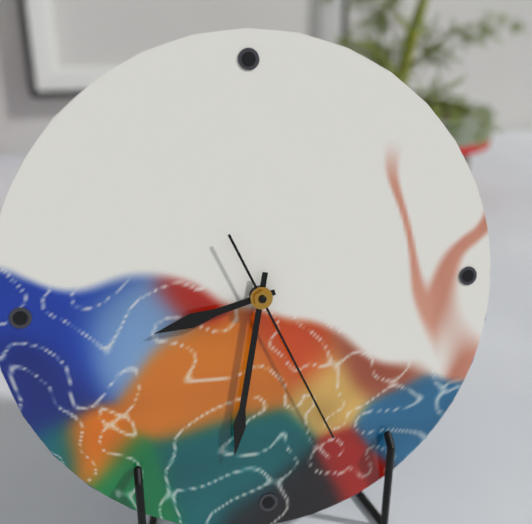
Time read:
8:32:26
